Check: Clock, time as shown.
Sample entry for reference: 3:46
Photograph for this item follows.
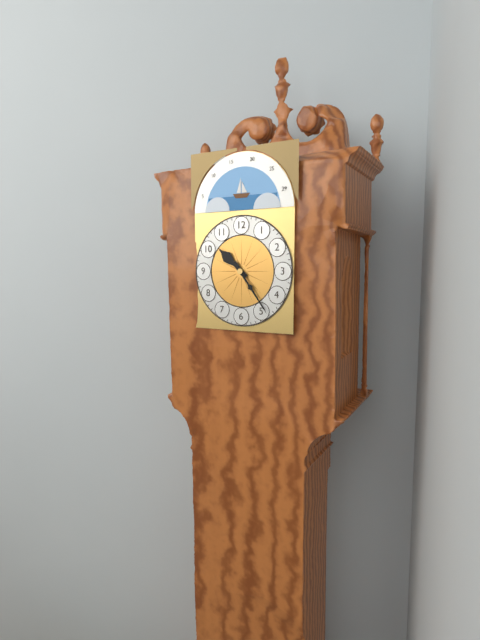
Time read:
10:24
